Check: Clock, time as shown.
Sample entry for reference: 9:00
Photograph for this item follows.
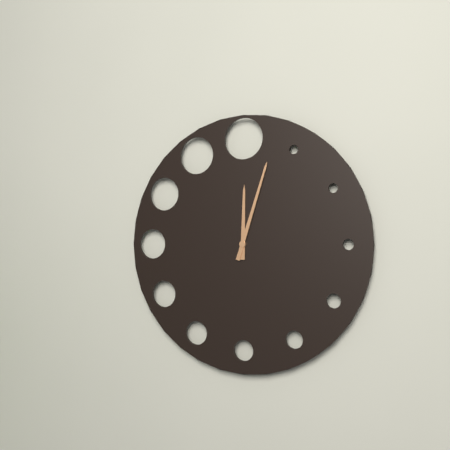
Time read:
12:03
